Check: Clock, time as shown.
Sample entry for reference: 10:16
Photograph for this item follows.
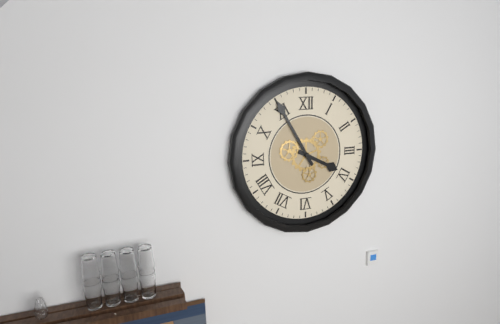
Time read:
3:55
